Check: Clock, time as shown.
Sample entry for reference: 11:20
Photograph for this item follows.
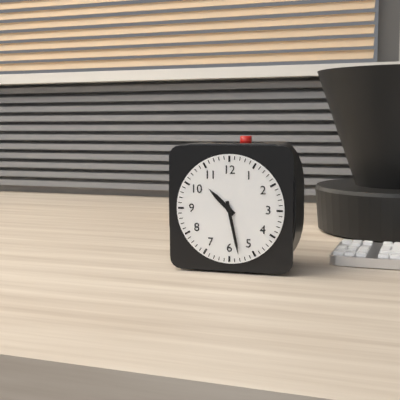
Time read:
10:28
